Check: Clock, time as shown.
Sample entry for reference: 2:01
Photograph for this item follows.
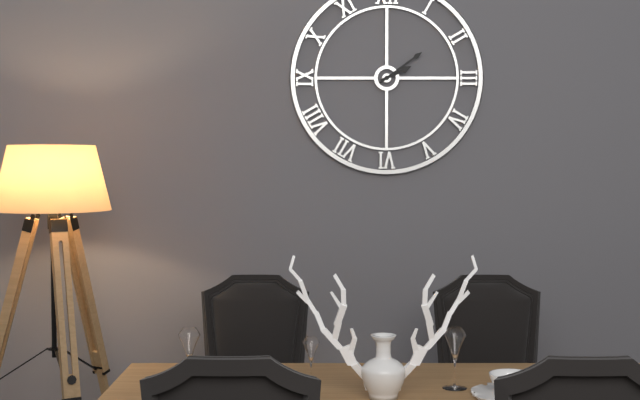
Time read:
2:09
